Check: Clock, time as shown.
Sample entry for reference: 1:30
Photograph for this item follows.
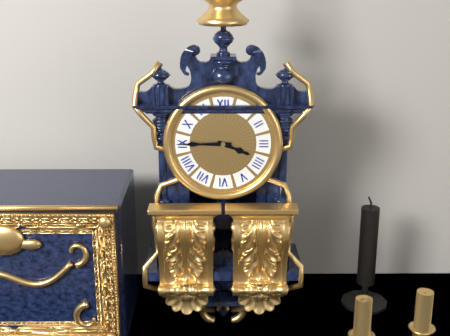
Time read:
3:45
